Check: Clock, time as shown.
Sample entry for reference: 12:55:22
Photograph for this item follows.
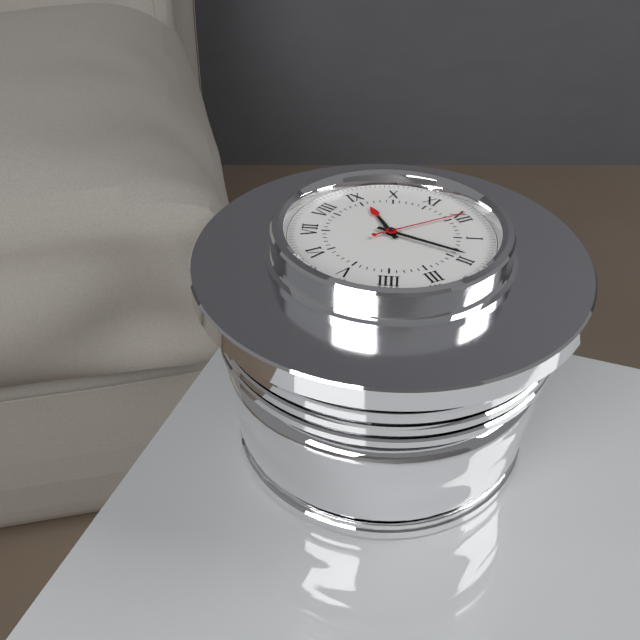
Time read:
9:09:00
